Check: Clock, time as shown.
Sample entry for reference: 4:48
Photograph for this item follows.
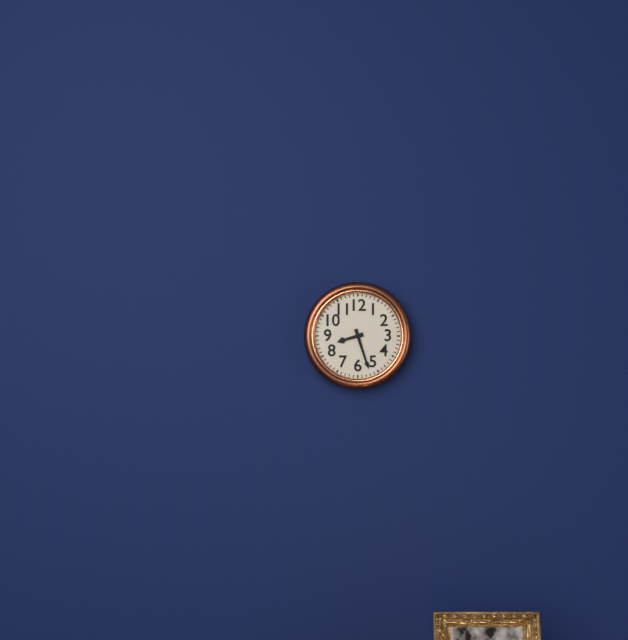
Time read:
8:27
